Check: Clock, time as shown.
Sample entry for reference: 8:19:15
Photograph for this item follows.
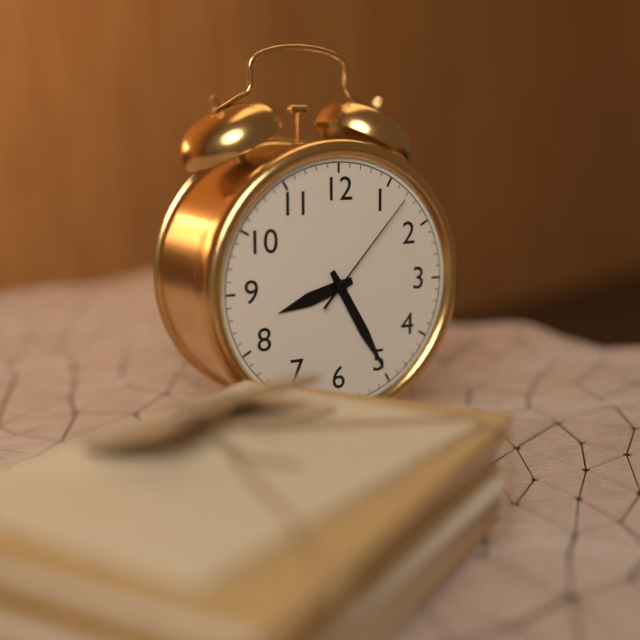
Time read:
8:25:07
